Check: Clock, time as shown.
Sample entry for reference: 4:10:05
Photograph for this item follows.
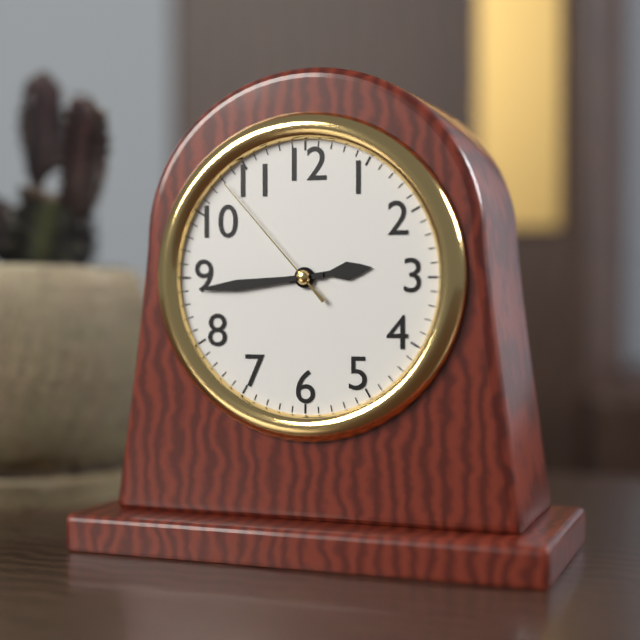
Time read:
2:44:53
